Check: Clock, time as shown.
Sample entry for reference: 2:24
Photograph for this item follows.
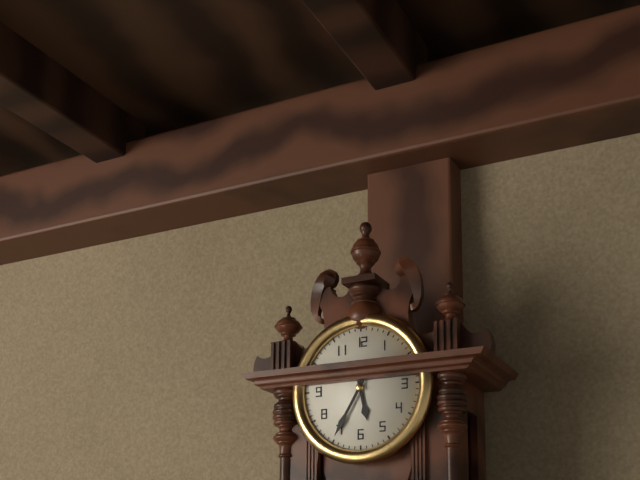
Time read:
5:35
